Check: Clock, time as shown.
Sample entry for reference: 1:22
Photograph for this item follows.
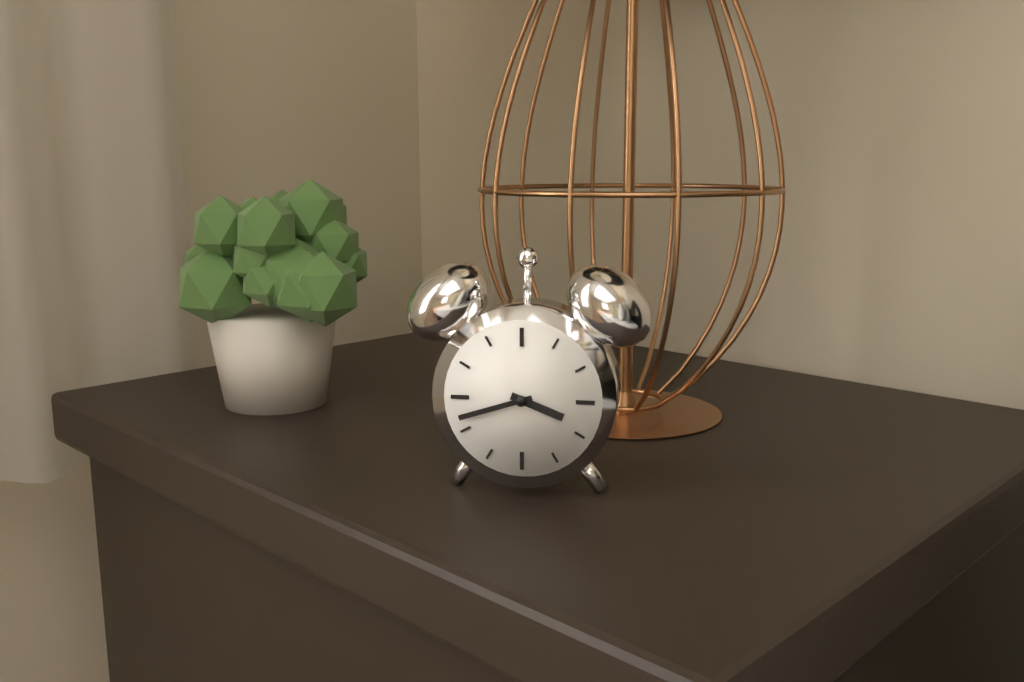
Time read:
3:42
